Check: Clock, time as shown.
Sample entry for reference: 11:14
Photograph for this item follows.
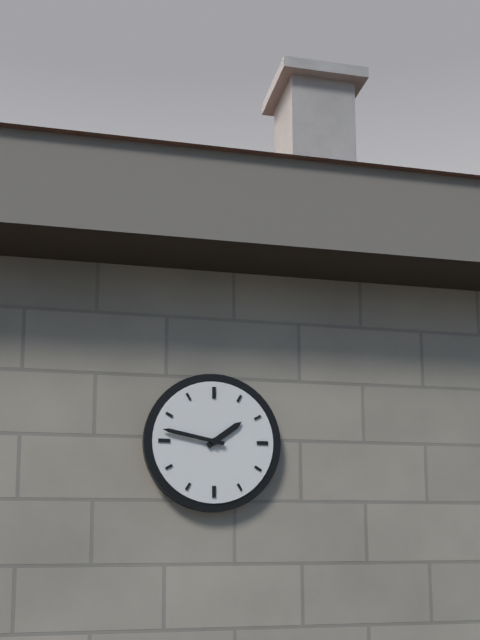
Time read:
1:47
